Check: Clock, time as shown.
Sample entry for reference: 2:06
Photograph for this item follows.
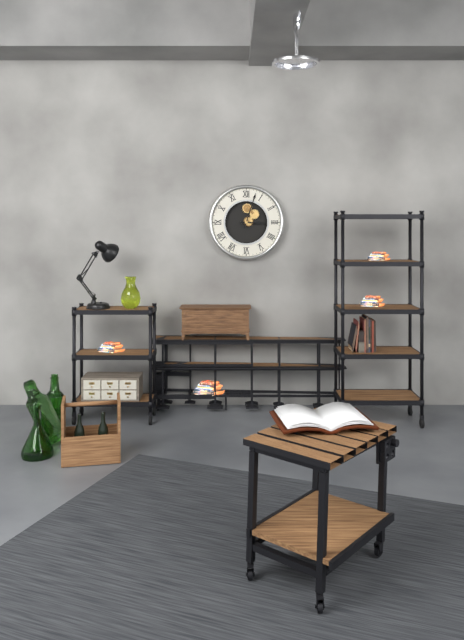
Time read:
3:03
